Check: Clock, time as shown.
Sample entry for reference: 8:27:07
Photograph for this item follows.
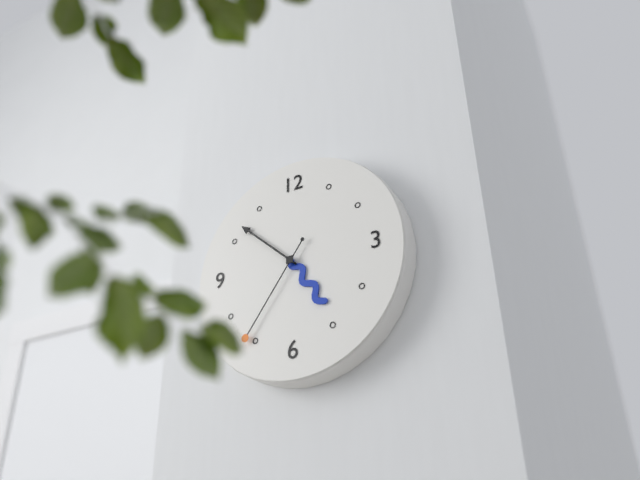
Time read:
4:52:36
